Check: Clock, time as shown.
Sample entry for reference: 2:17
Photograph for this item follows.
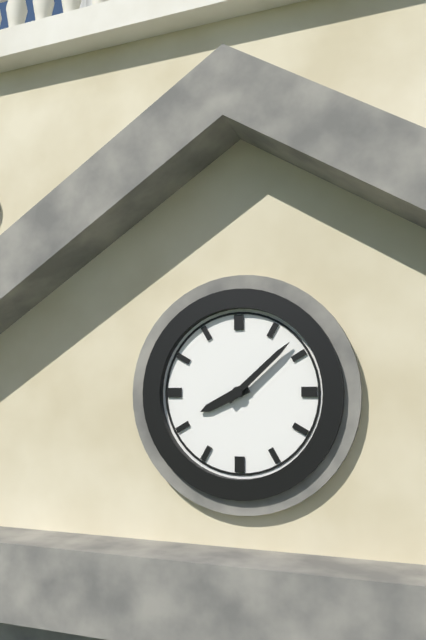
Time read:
8:08
